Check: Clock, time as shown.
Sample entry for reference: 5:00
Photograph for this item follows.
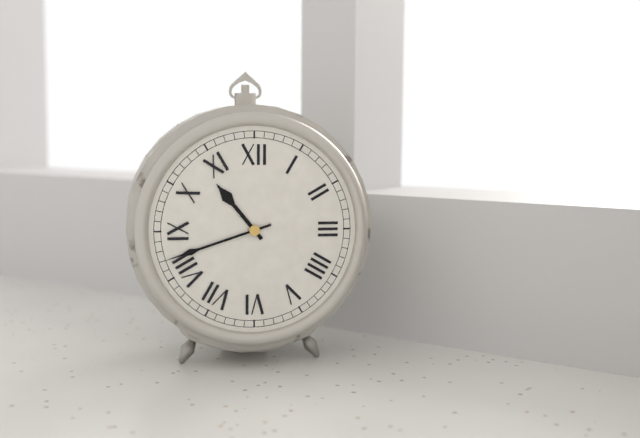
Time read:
10:42
